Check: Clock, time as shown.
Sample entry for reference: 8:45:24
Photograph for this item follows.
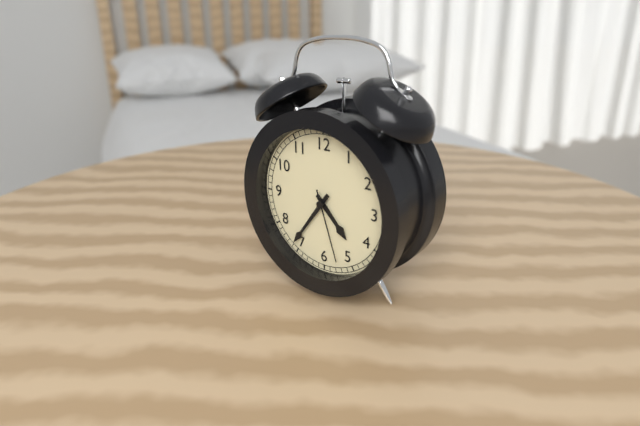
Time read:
4:36:27
